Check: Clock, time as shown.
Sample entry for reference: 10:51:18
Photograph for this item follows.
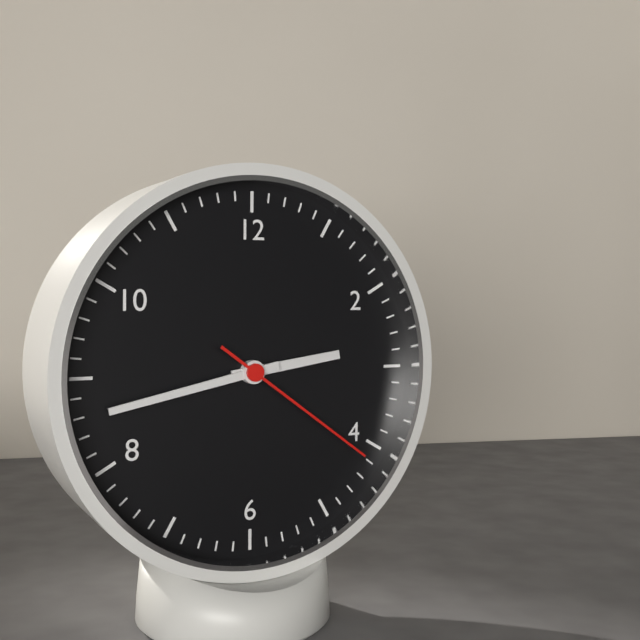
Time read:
2:43:21
